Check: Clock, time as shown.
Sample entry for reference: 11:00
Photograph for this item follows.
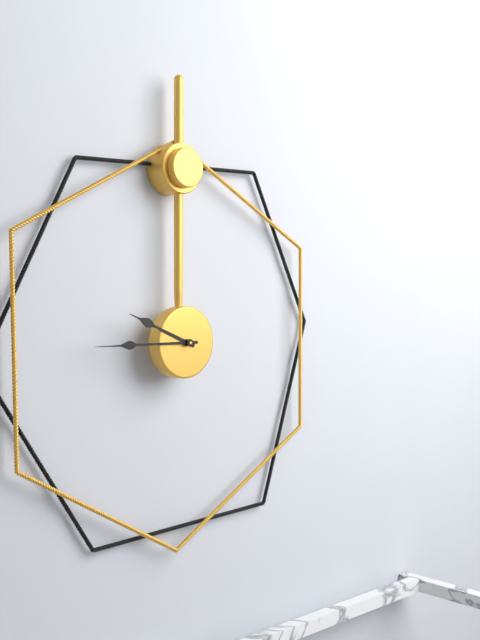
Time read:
9:45
